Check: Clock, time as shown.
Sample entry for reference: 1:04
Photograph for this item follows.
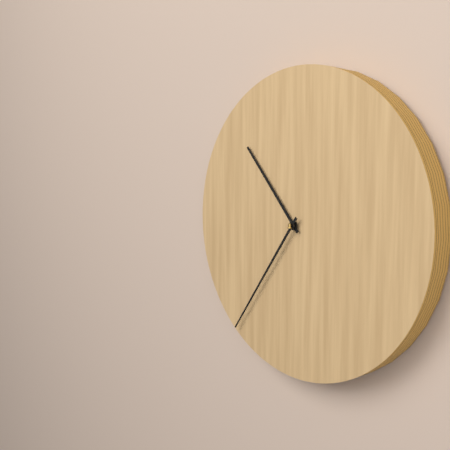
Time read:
10:36
